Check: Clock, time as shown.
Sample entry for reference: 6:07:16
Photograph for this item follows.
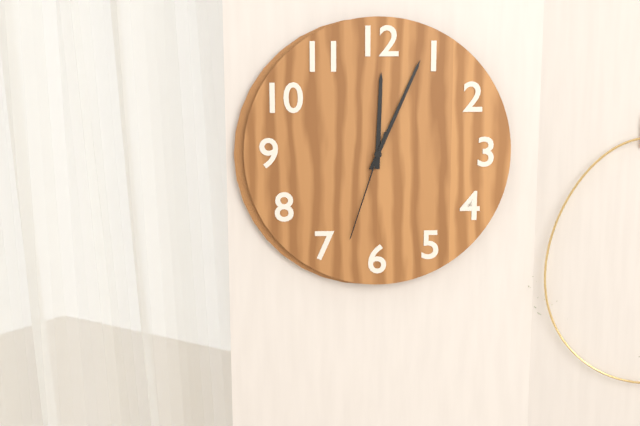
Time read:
12:04:33
